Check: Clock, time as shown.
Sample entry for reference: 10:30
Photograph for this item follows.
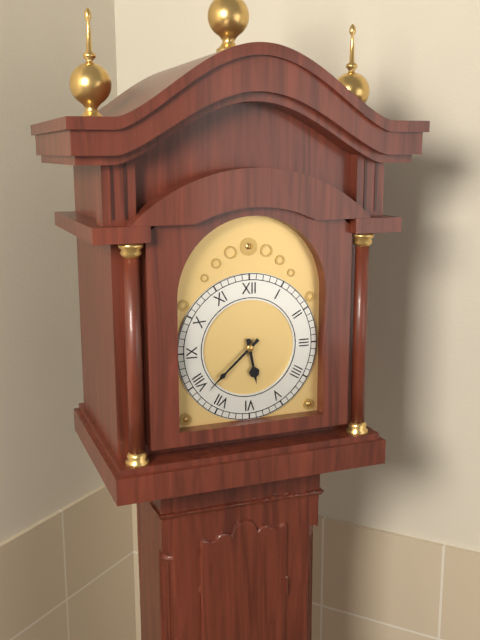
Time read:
5:38
